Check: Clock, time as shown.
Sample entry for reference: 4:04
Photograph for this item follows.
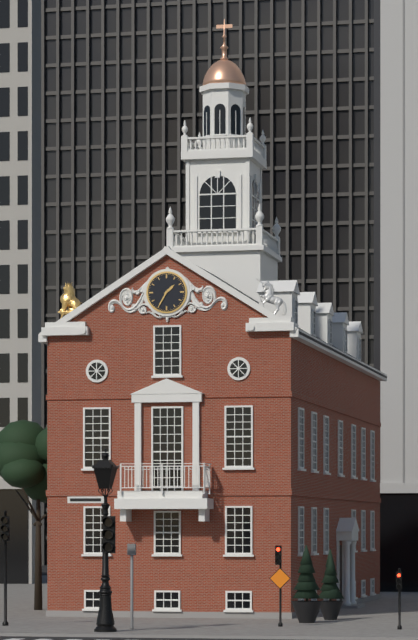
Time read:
1:35
